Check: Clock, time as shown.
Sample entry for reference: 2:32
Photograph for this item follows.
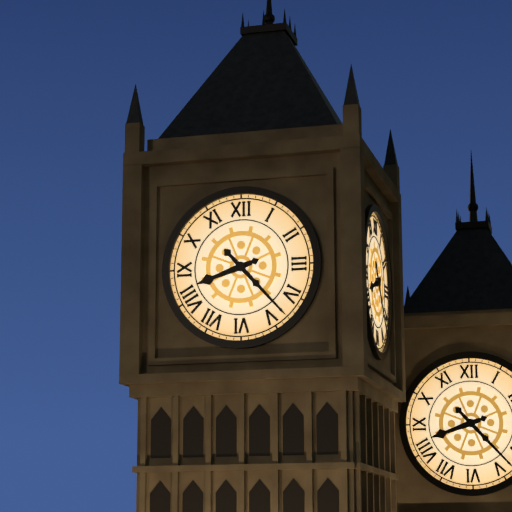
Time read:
8:23
